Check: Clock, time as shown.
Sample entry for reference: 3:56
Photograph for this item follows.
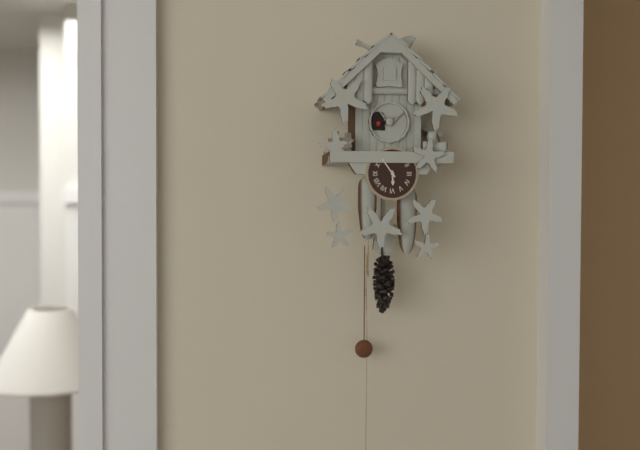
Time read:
5:54
